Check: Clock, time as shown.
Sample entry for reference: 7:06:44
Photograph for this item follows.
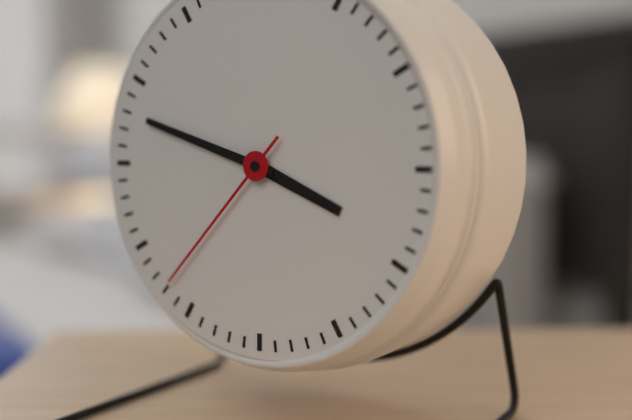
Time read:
3:48:37
